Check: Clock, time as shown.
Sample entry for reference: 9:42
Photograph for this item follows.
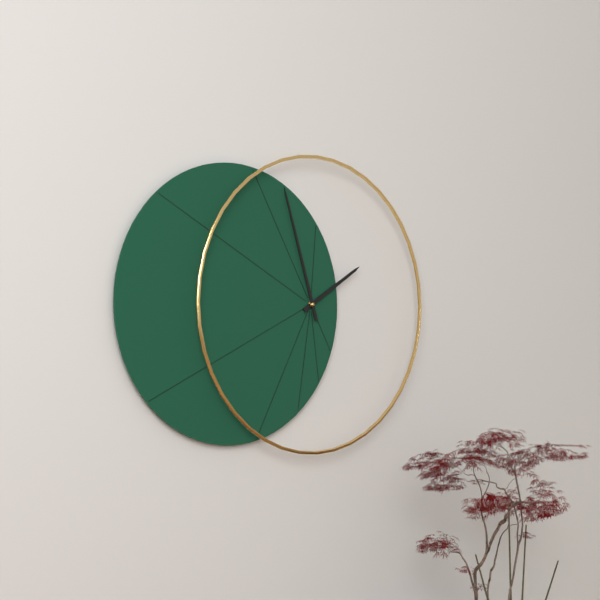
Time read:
1:57
